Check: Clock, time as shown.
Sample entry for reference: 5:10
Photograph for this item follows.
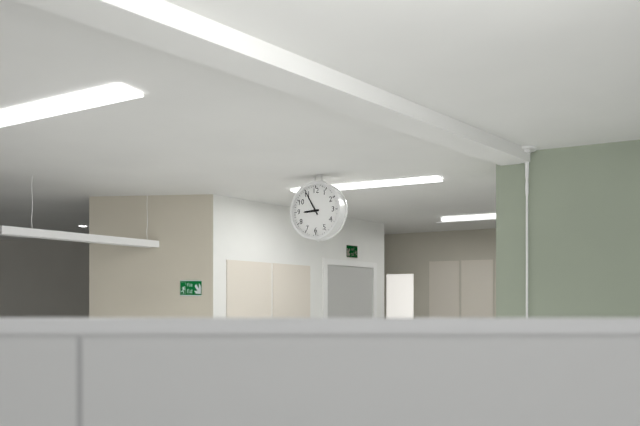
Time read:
8:55
